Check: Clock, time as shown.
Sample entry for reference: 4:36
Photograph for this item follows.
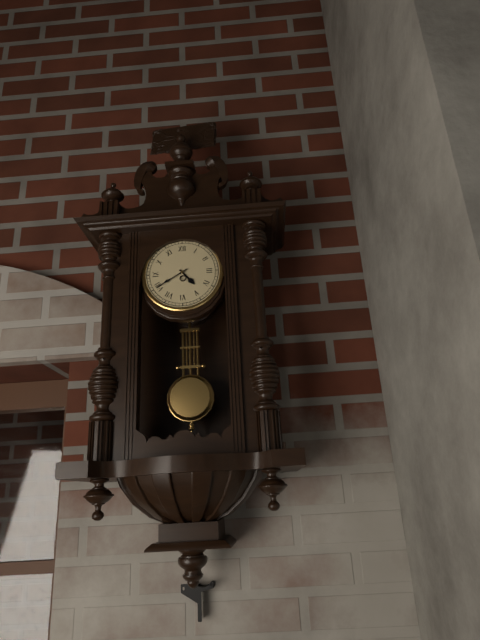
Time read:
4:40
